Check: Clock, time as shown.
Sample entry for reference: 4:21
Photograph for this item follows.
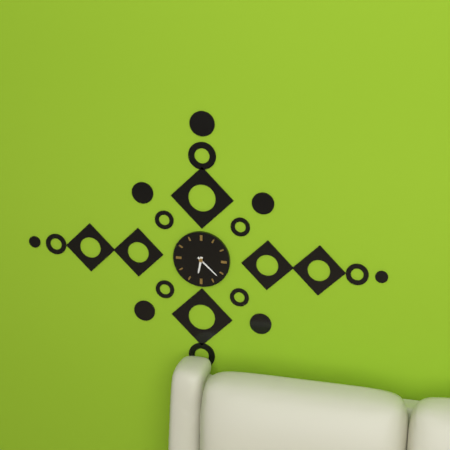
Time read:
6:22
